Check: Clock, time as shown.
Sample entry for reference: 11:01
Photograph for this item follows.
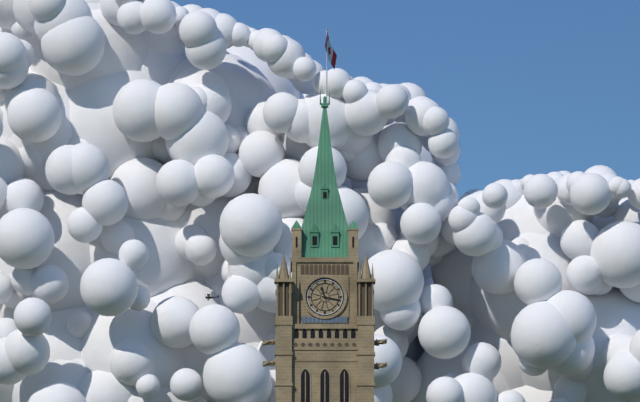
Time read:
11:17
